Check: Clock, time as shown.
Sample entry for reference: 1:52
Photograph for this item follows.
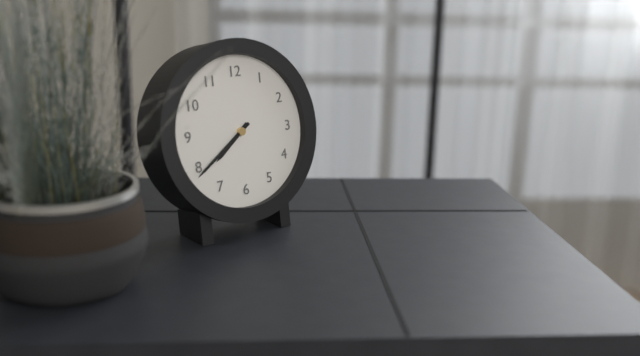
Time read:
7:39
